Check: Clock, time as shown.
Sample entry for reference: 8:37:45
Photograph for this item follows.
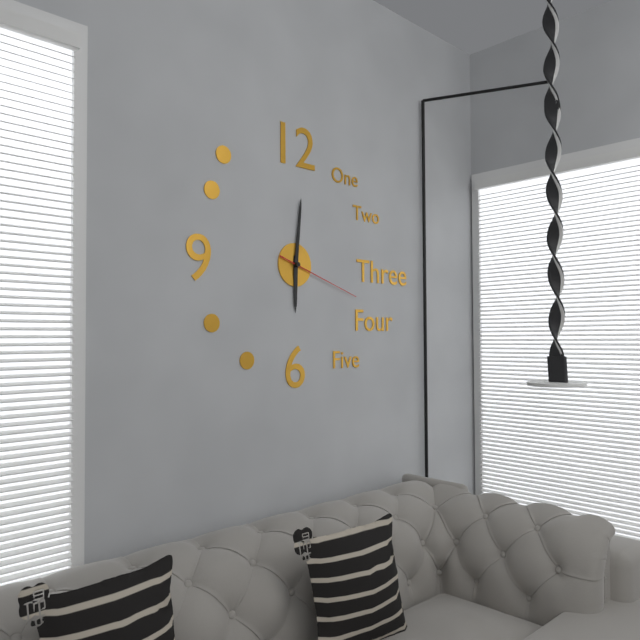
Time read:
6:01:18
